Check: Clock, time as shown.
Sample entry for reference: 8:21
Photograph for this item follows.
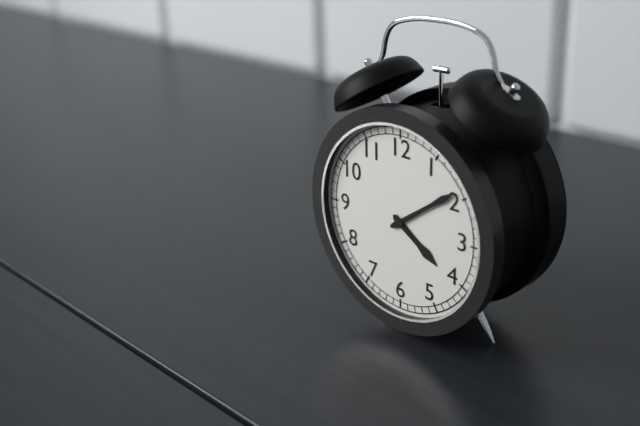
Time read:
4:09
